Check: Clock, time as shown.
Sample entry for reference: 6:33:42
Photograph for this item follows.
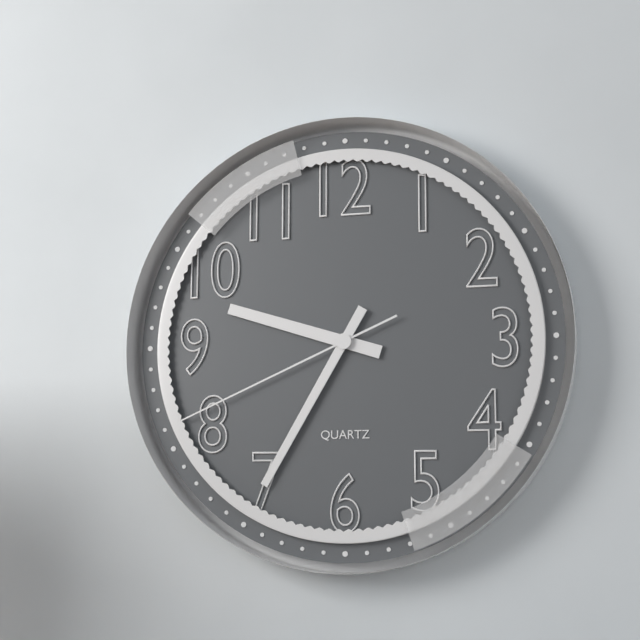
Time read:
9:35:41
